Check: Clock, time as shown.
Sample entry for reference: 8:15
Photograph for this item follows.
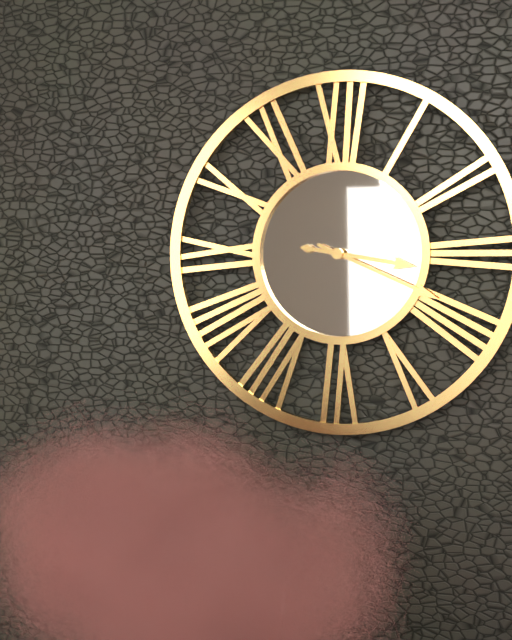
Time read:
3:19
